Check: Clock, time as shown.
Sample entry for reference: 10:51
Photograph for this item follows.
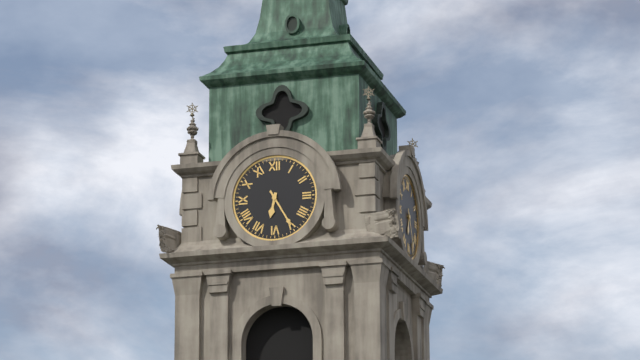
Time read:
6:25
